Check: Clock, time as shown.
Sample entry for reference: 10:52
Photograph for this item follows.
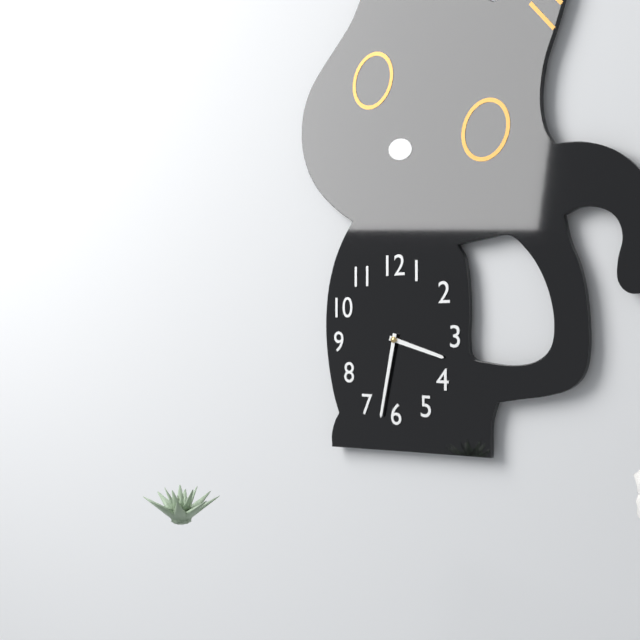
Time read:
3:32
